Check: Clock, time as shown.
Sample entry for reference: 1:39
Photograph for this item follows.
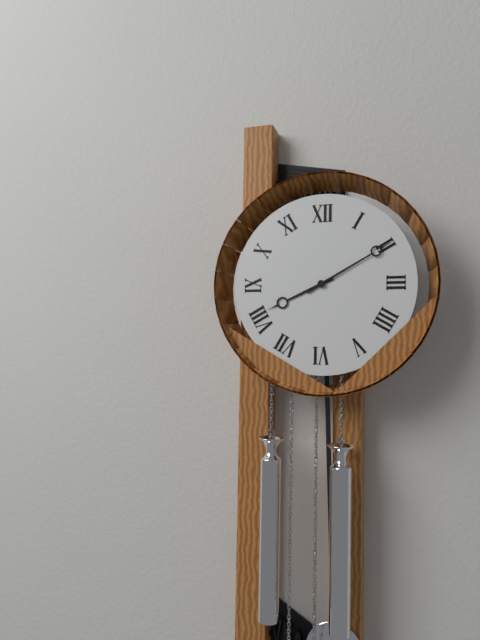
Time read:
8:10
